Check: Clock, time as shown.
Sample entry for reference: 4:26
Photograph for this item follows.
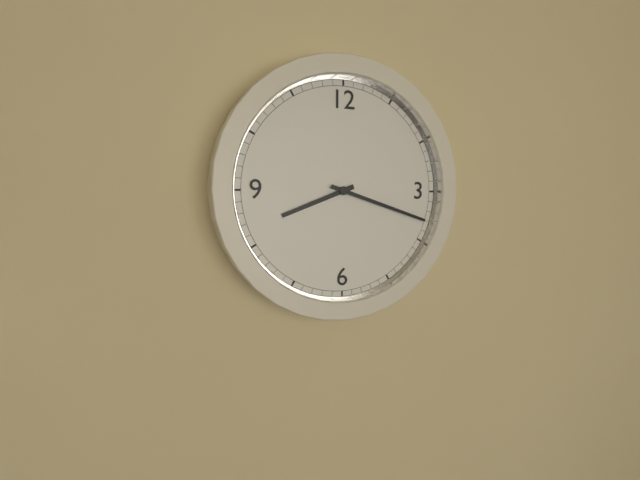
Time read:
8:18
